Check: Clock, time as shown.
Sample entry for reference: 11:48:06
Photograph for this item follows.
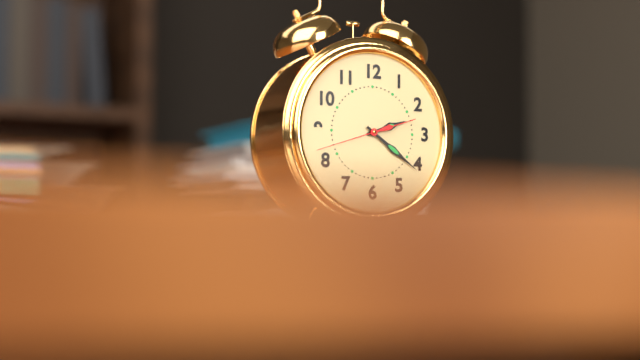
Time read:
2:21:42
